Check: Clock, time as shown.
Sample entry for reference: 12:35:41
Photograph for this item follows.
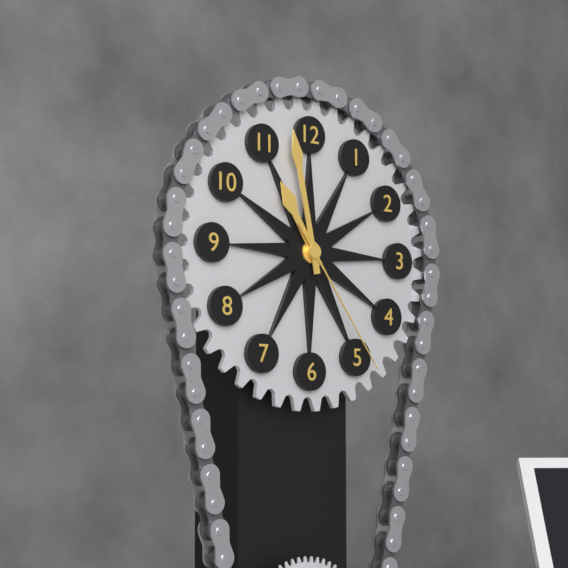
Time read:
10:58:24
